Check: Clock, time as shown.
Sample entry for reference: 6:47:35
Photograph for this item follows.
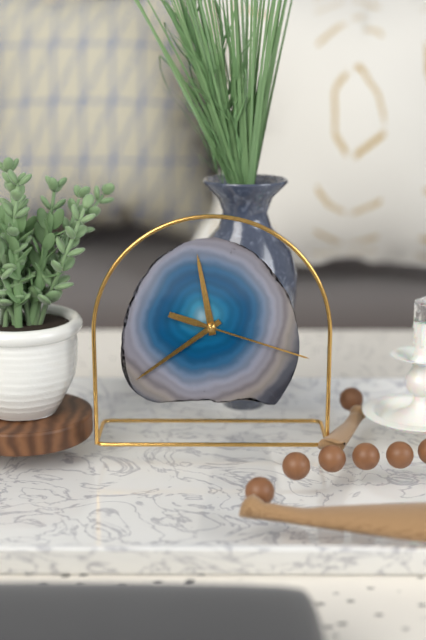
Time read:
11:39:18
